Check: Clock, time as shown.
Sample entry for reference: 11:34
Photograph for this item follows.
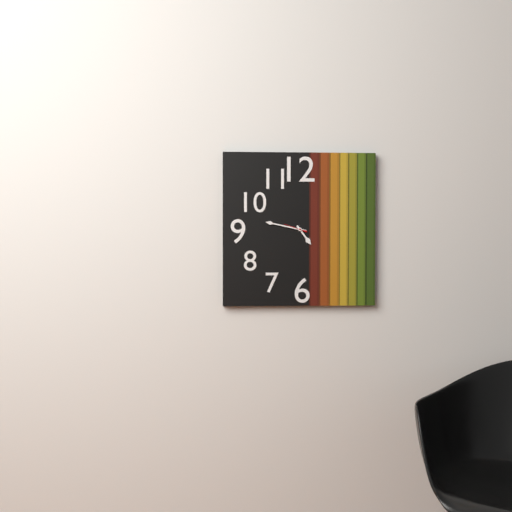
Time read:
4:47
